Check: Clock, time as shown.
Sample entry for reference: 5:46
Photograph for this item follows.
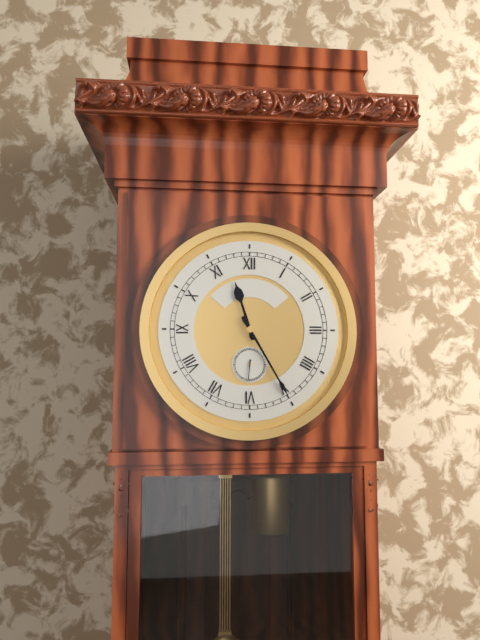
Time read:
11:25
